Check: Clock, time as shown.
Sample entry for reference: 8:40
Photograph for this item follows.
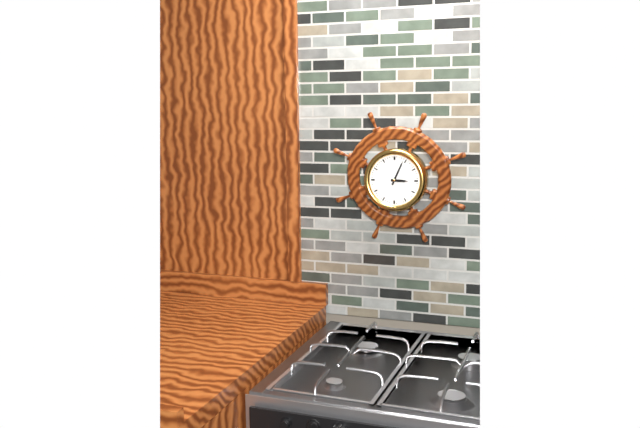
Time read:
3:04
